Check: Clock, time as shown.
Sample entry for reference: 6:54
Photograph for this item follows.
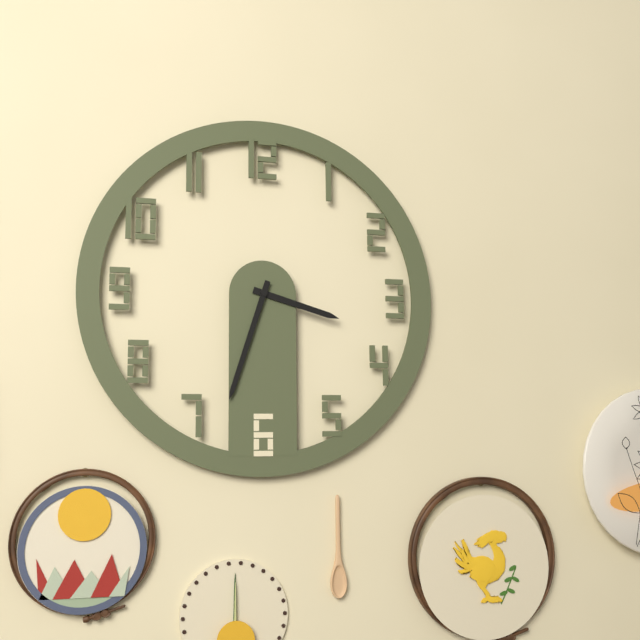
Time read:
3:33
